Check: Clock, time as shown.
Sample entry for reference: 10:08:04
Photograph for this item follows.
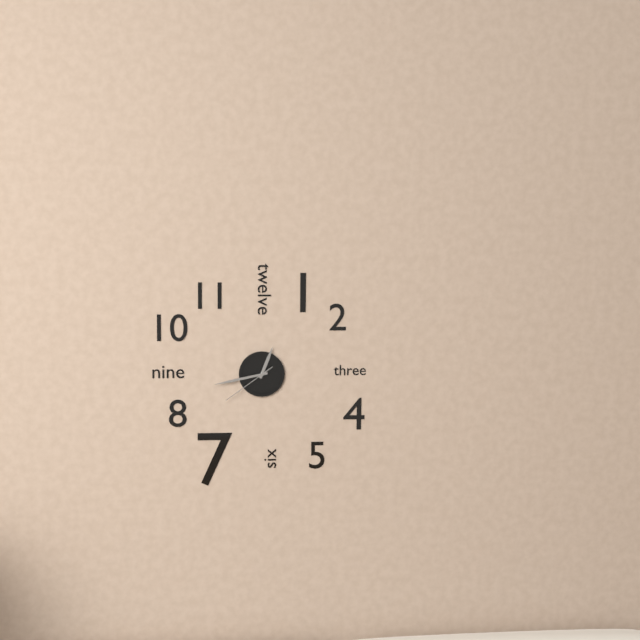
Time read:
12:43:39
